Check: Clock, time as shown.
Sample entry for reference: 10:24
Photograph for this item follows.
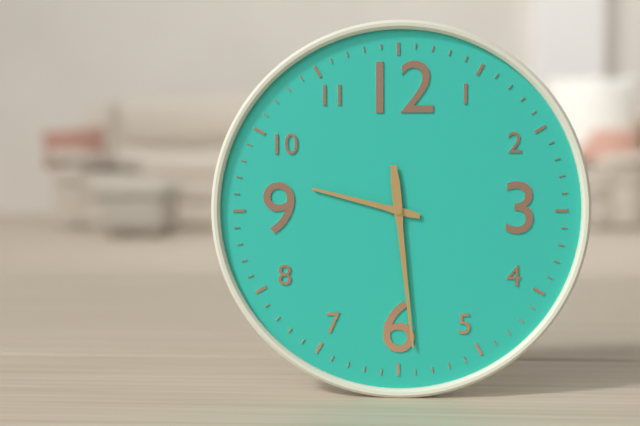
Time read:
9:29
